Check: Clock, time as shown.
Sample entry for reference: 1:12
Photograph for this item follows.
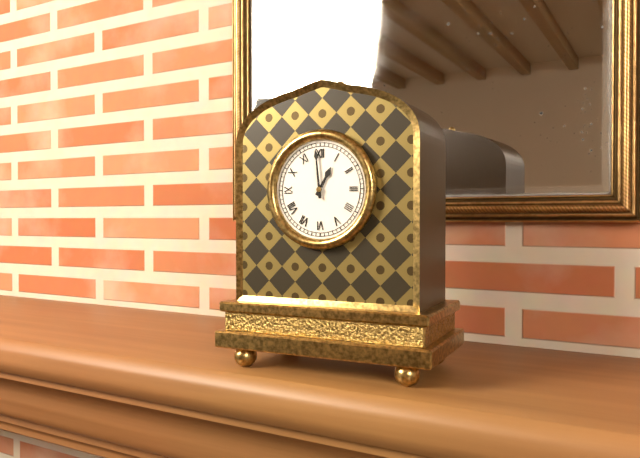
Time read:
12:59
